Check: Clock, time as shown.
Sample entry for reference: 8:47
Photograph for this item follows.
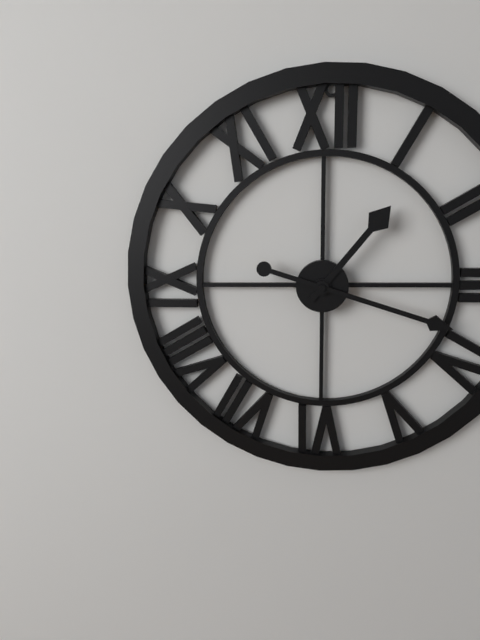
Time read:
1:18
